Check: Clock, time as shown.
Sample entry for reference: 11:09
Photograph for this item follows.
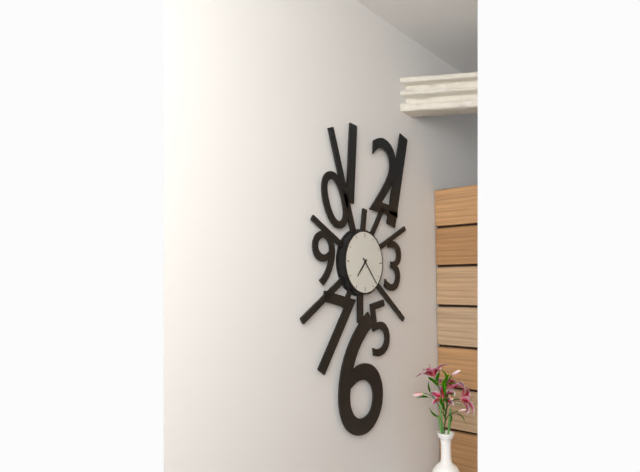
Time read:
7:23
